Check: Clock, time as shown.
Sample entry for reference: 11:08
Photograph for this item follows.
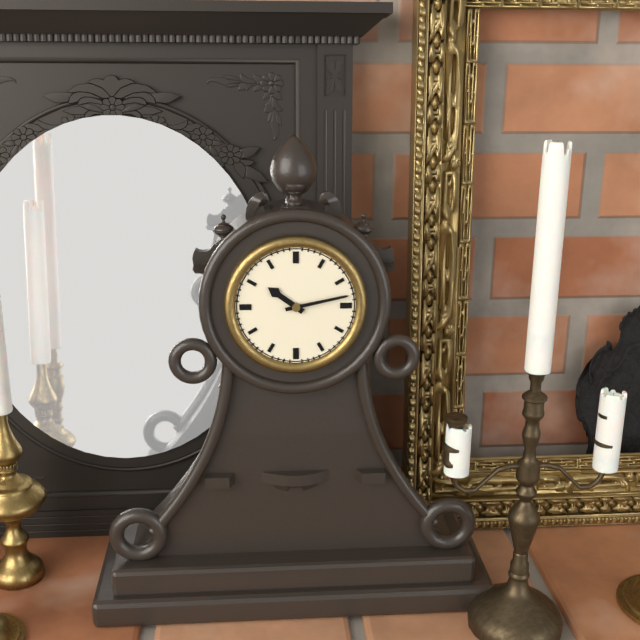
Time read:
10:13
